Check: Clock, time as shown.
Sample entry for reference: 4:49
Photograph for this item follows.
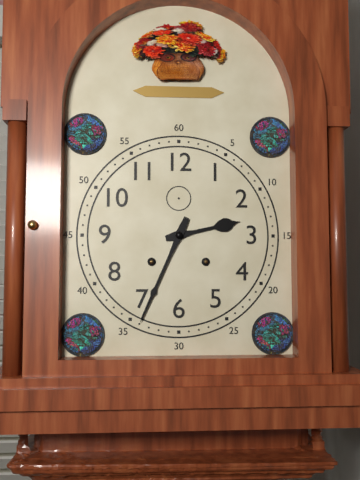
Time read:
2:34
